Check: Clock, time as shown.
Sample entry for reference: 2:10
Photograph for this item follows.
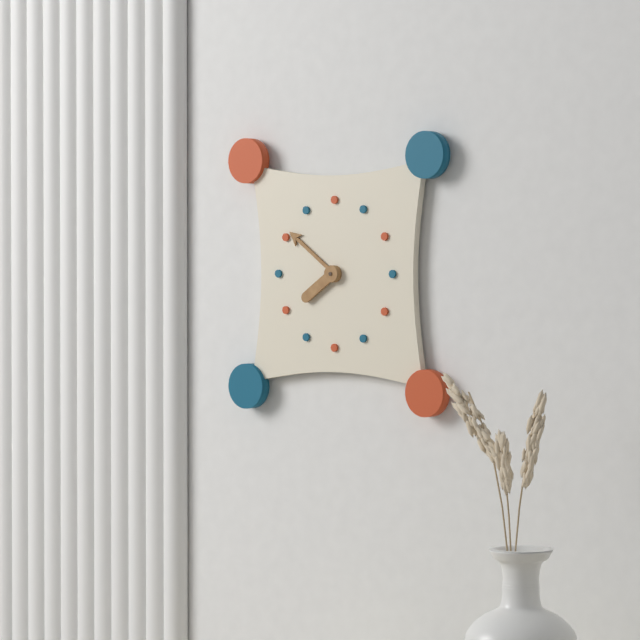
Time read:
7:51
